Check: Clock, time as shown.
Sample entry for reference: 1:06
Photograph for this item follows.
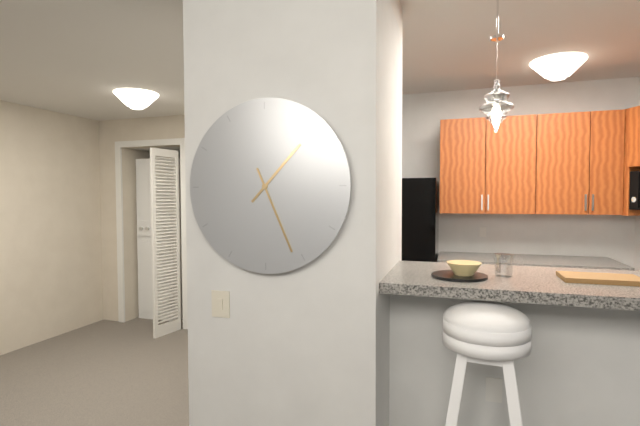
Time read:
1:26
